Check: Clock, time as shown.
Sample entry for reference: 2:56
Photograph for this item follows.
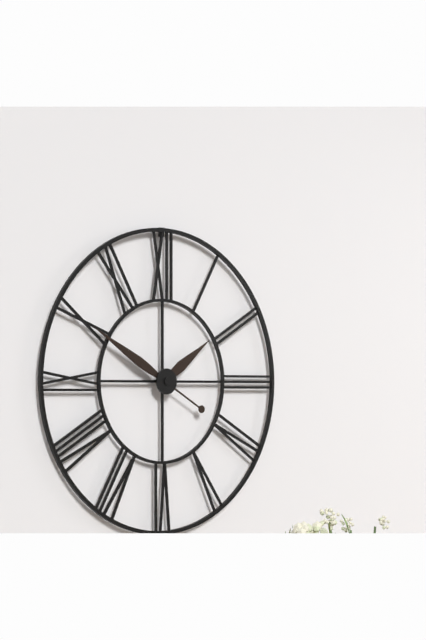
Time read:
1:50
